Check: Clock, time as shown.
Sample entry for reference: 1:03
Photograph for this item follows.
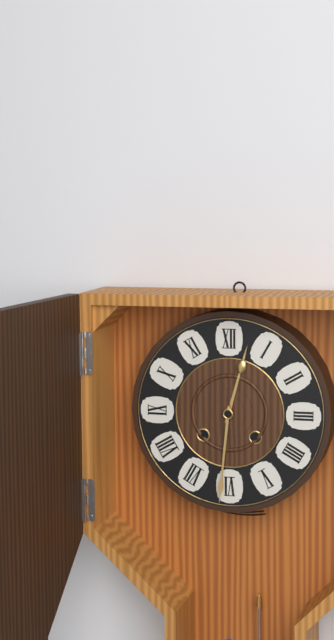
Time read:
12:31
